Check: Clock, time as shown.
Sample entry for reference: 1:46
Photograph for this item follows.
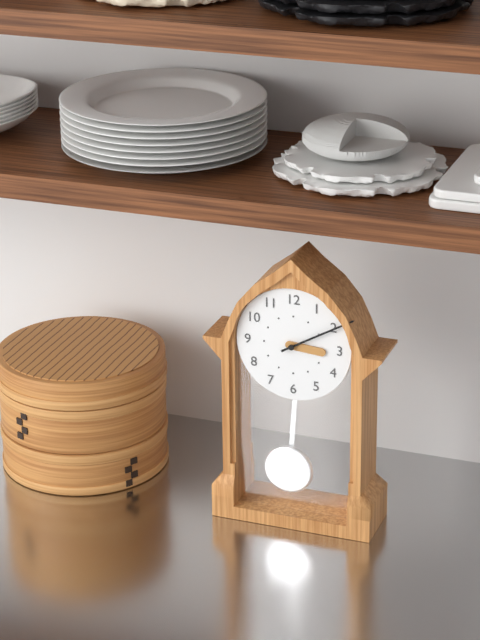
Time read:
3:10
